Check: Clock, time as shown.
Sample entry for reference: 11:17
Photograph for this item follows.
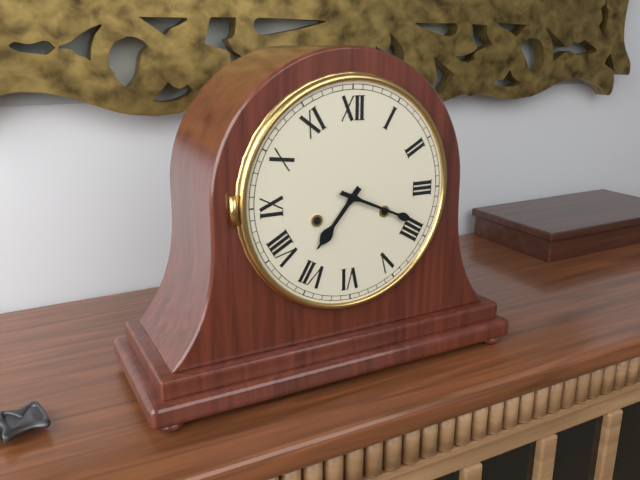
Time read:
7:19
